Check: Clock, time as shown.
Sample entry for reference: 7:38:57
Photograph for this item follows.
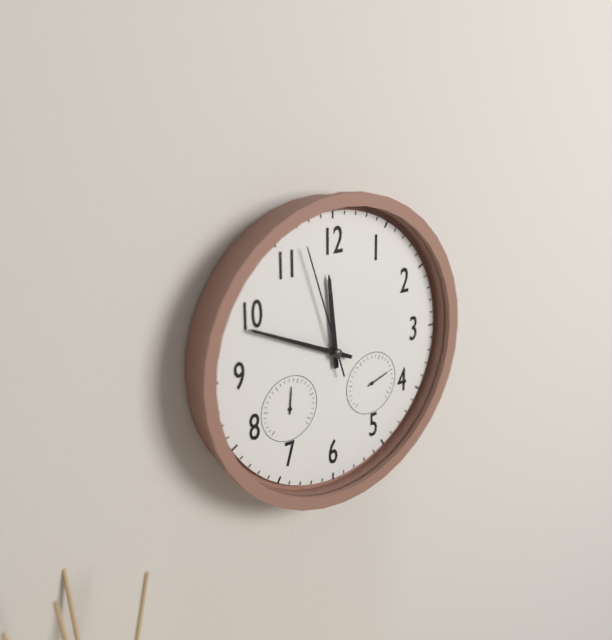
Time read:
11:49:57
